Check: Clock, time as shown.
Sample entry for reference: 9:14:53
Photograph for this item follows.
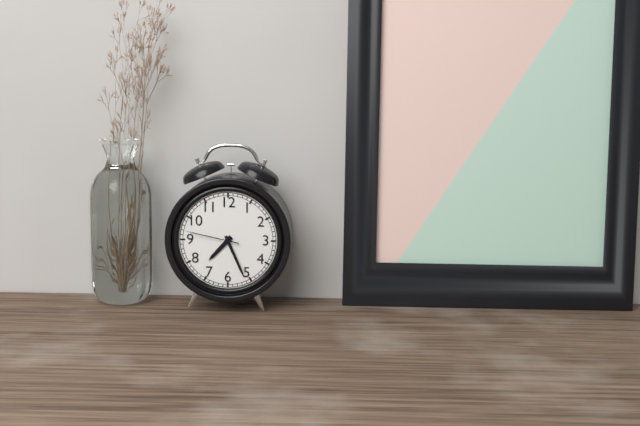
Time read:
7:26:47
